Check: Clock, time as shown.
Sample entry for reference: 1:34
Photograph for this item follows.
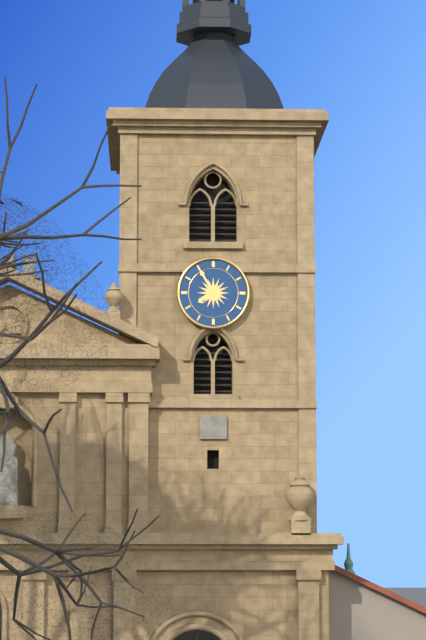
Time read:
7:55
